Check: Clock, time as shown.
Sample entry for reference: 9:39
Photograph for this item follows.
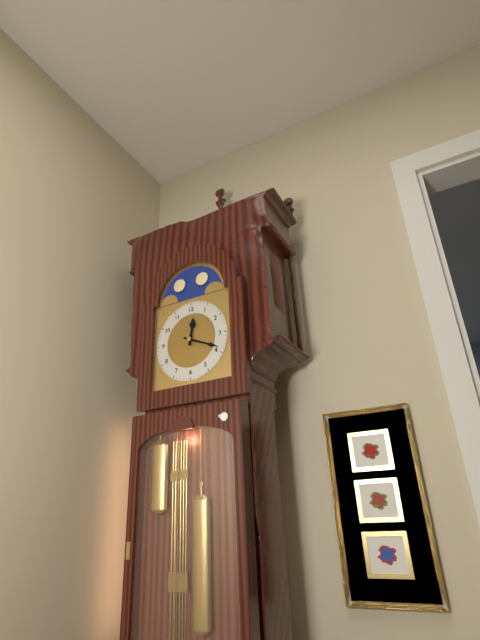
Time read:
12:19
